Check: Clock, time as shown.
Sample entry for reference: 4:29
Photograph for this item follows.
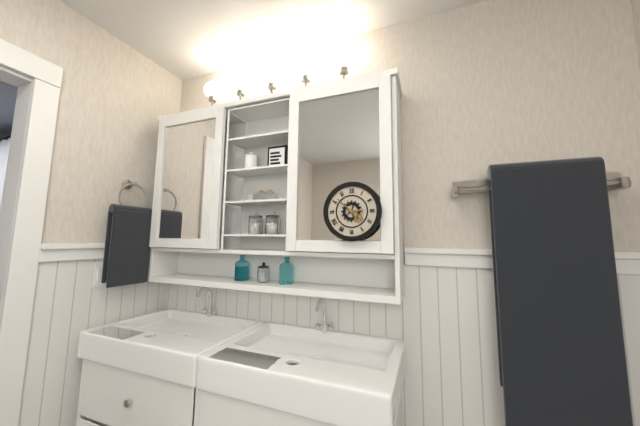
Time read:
2:52
